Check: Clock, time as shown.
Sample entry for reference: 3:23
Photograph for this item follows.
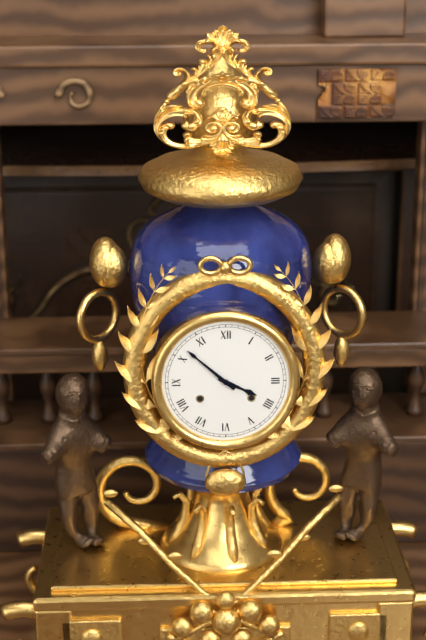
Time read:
3:52
